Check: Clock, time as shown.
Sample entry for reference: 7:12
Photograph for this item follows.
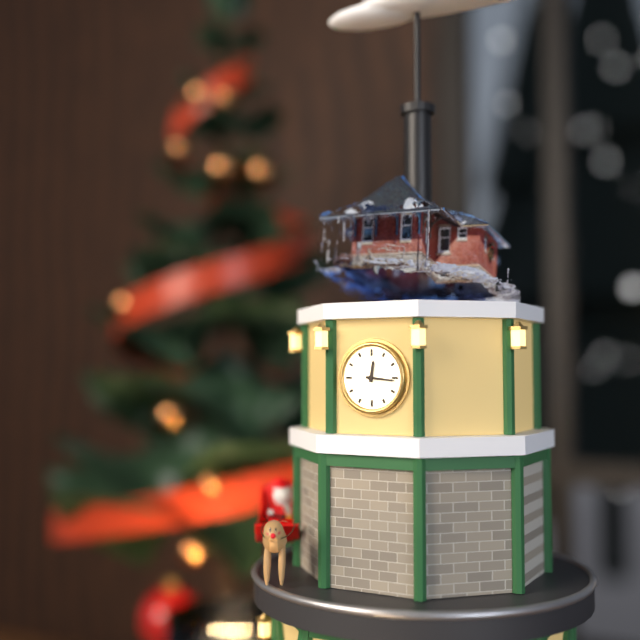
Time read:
12:16
